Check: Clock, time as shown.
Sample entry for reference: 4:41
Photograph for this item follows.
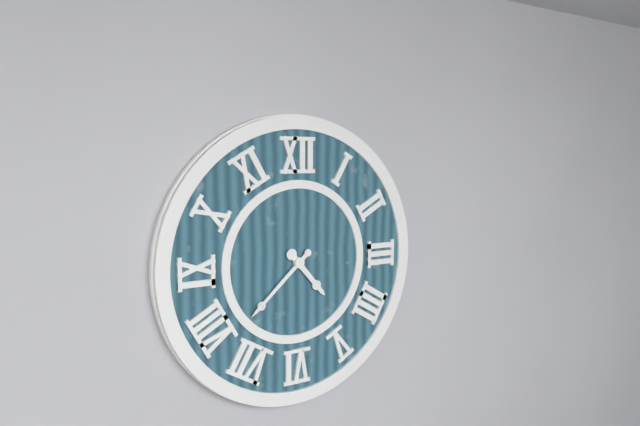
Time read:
4:38
